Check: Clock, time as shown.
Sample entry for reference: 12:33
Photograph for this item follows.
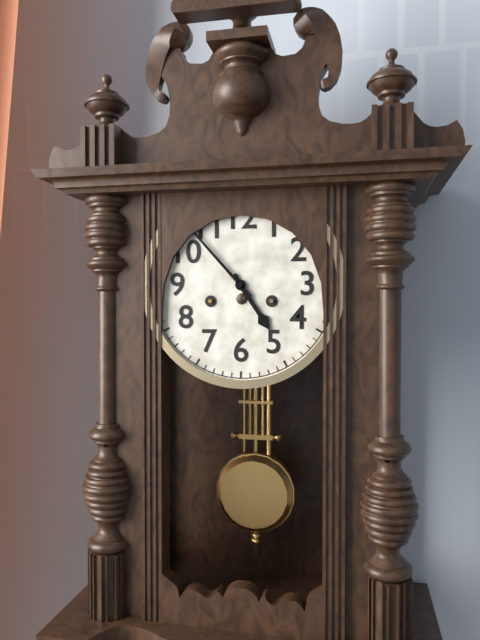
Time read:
4:53
